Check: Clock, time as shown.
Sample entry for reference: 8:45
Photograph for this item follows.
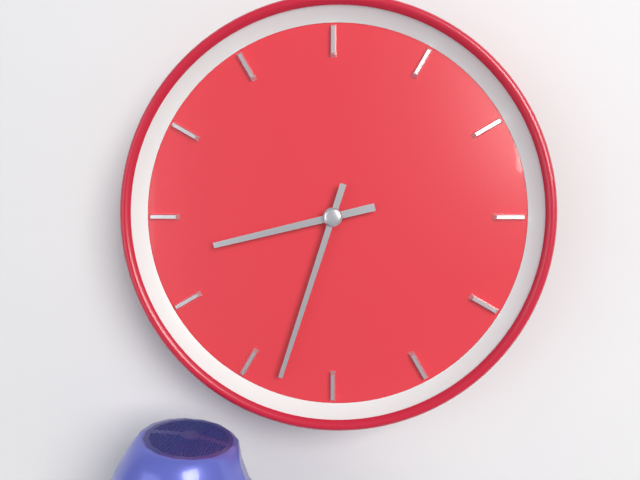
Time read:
8:33
